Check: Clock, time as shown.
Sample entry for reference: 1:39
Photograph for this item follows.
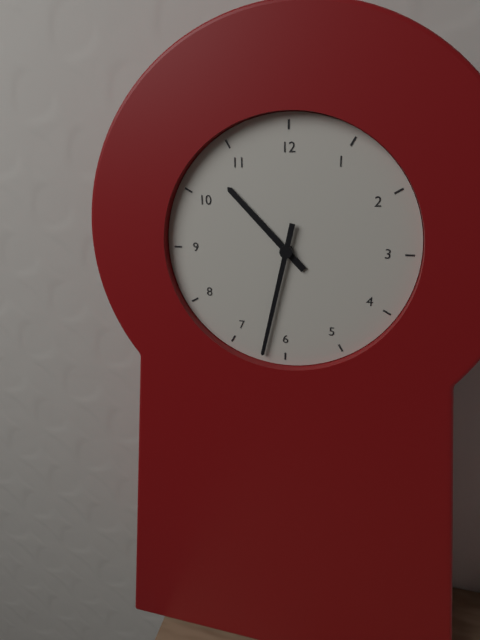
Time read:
10:32
